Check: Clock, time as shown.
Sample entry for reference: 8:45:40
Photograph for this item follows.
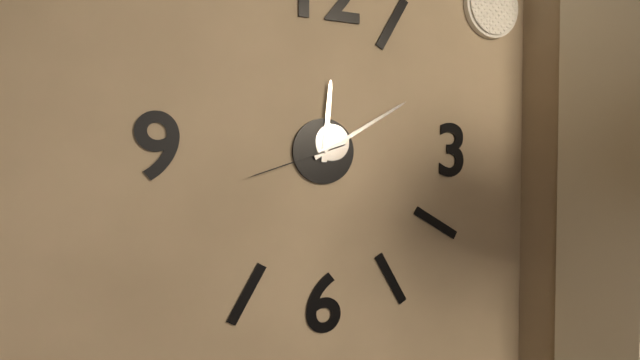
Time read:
12:10:42
